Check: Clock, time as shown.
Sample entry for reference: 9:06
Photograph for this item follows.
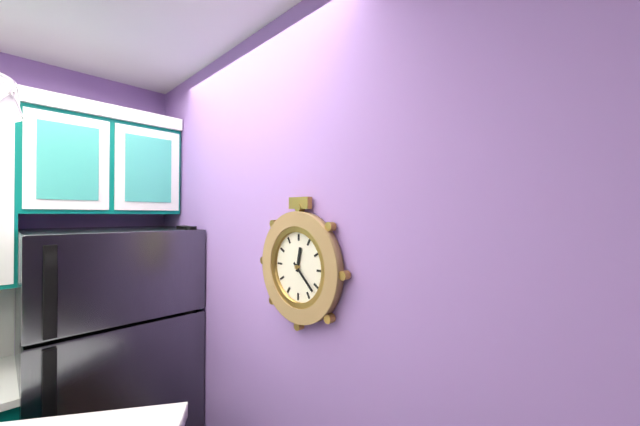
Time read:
12:22
